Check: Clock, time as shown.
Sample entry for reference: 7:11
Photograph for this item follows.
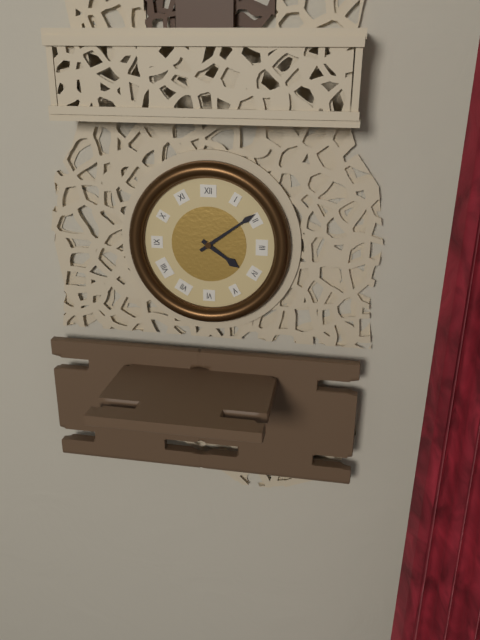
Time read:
4:09
